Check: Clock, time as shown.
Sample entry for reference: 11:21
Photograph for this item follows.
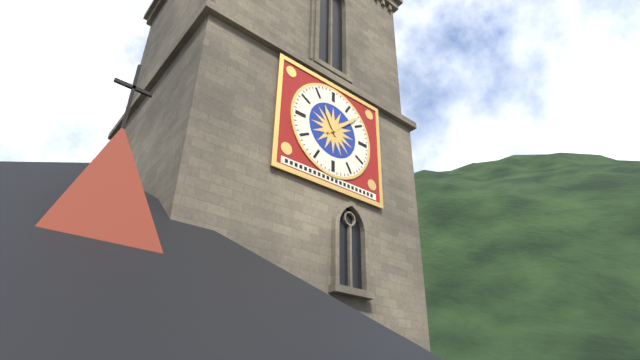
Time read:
11:08
